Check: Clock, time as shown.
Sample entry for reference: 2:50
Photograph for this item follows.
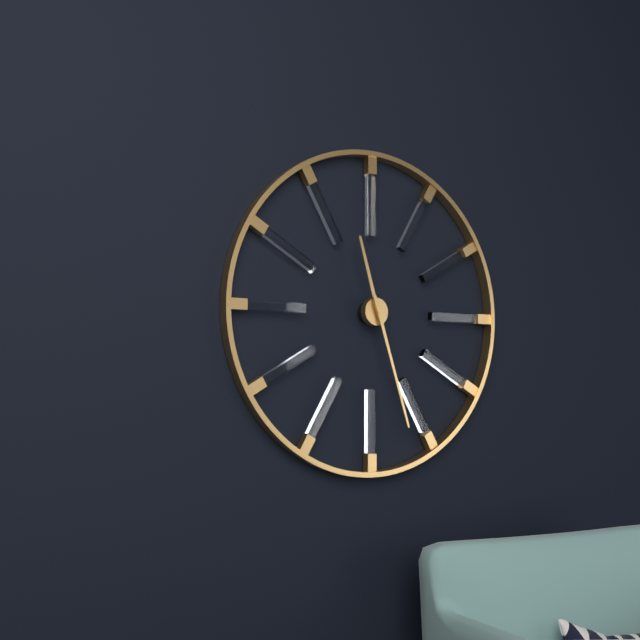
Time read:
11:27
